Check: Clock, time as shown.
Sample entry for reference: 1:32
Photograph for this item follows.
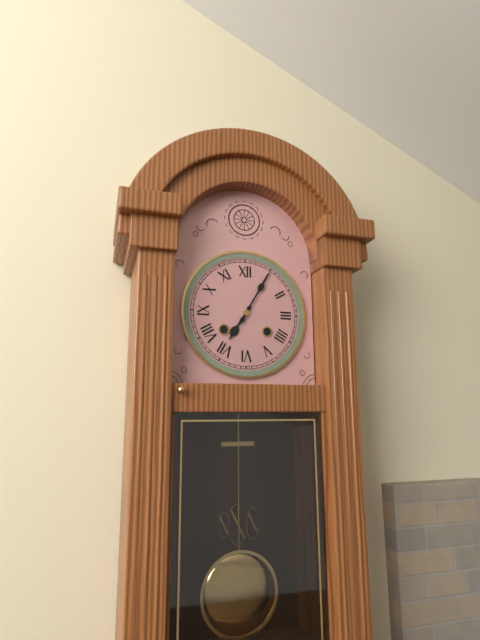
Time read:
7:05
